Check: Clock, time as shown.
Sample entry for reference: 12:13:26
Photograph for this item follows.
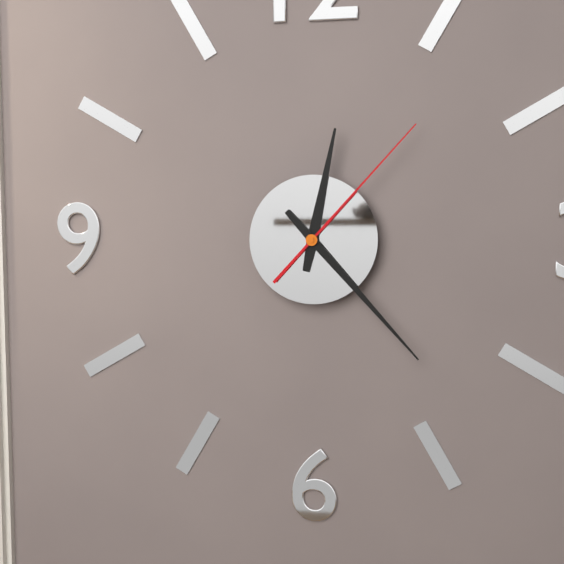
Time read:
12:23:07
